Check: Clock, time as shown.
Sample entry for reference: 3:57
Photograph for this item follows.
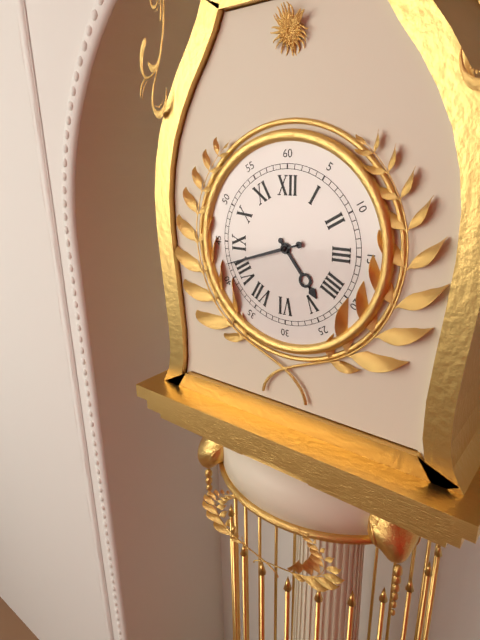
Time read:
4:42
